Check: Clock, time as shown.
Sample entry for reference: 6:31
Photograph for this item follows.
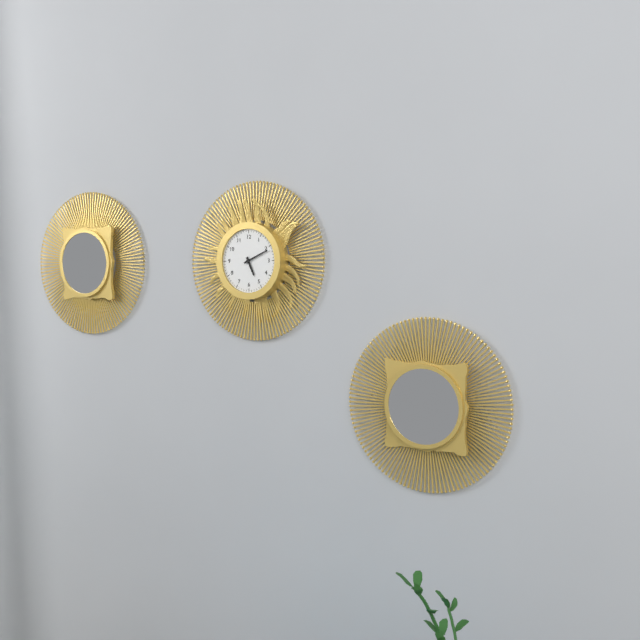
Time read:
5:11
